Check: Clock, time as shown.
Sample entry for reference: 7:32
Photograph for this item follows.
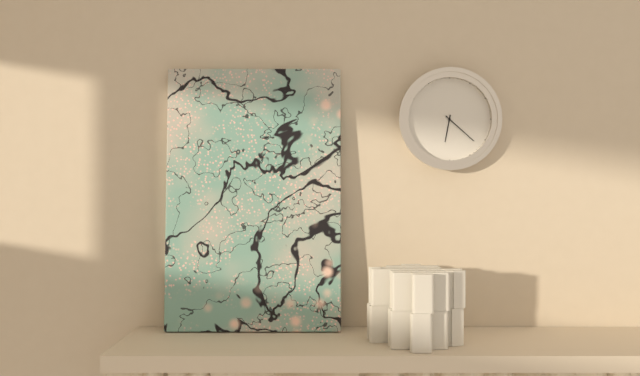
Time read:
6:22
